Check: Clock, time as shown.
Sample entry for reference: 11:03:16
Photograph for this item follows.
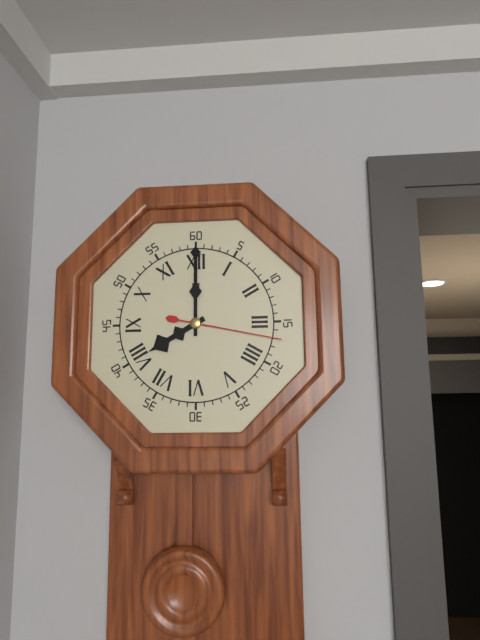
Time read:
8:00:17
